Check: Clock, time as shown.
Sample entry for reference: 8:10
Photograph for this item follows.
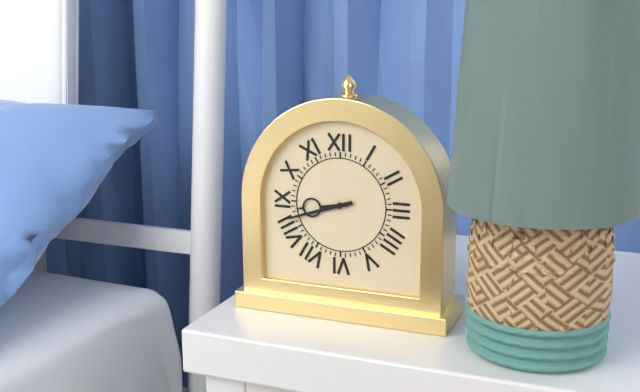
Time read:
8:42
